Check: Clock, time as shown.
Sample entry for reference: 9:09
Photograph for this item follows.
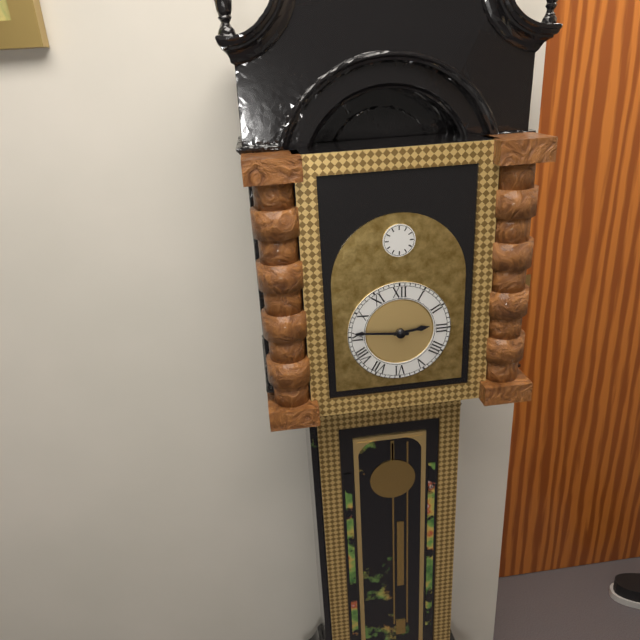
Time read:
2:46
